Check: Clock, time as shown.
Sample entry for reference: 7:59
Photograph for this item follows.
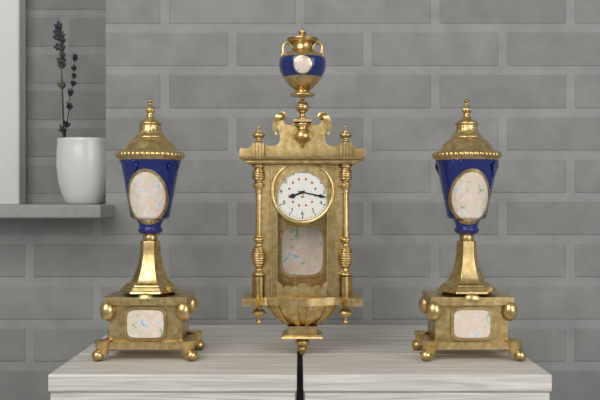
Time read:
8:17
